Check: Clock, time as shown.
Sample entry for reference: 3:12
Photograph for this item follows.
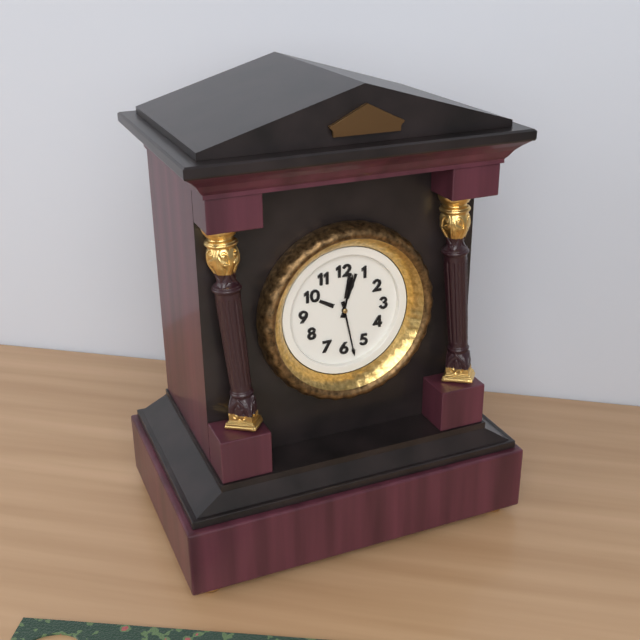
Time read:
12:28
